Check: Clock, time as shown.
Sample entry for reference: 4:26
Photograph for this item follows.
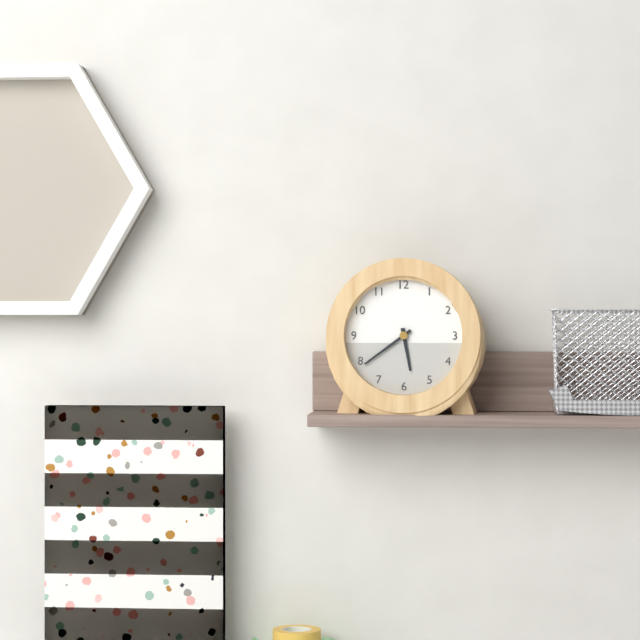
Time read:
5:39
